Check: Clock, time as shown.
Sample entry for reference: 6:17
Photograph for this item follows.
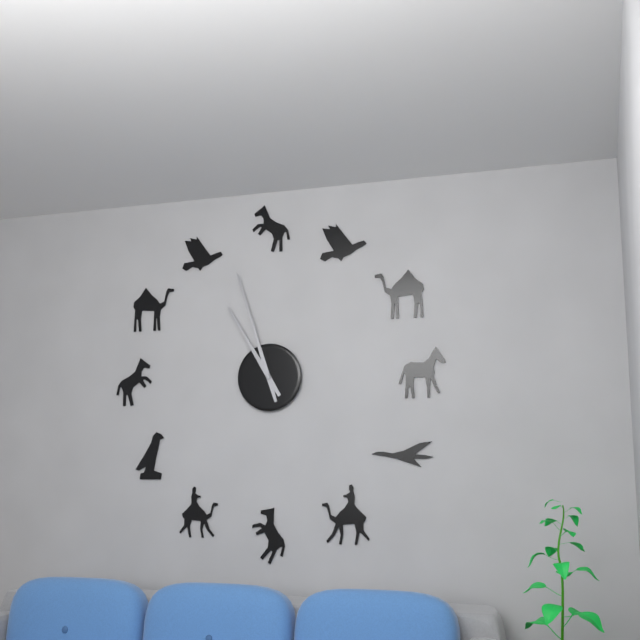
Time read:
10:57
